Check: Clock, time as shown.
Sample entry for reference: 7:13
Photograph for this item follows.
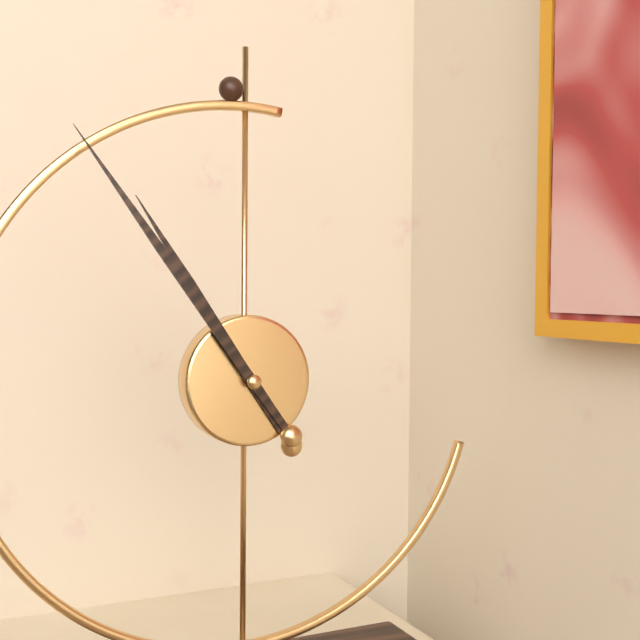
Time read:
10:54
